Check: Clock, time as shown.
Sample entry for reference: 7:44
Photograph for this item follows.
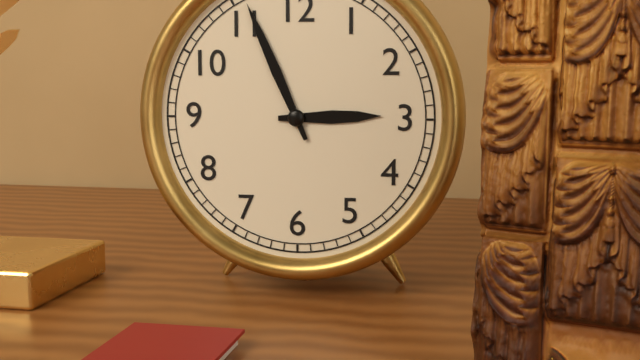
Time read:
2:56
